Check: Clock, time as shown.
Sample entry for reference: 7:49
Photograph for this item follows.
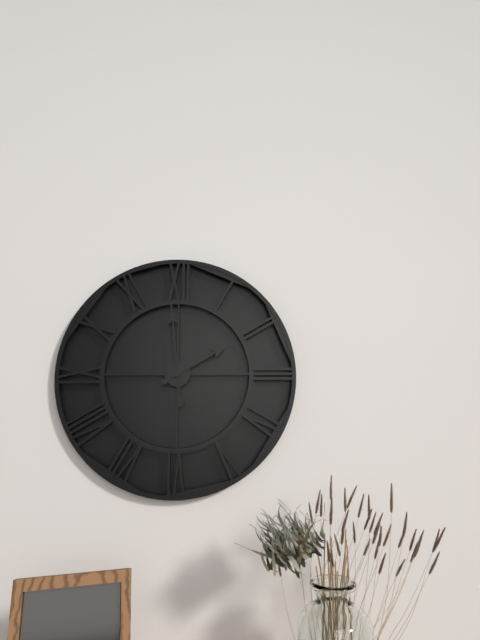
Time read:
1:59
